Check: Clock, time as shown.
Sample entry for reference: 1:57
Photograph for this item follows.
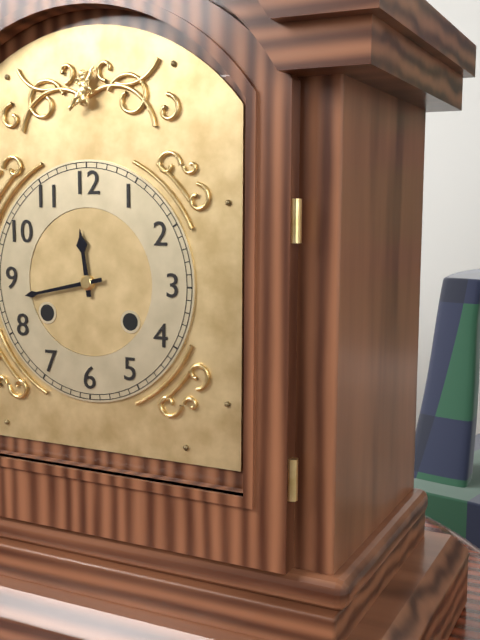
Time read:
11:43
